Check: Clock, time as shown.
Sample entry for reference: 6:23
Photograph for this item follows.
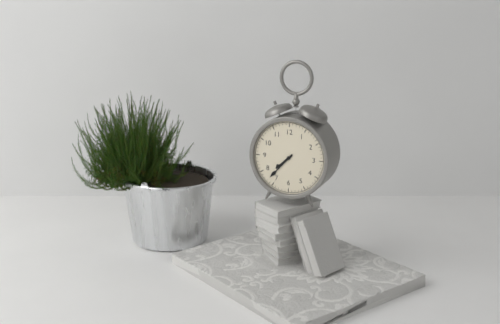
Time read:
7:37
